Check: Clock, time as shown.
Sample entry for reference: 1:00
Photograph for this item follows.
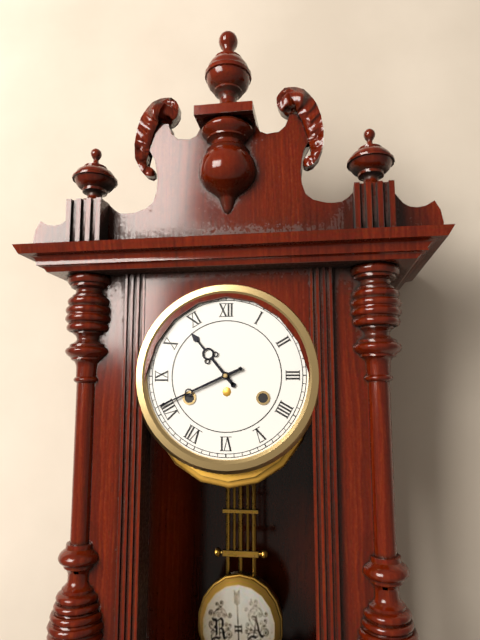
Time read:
10:41
